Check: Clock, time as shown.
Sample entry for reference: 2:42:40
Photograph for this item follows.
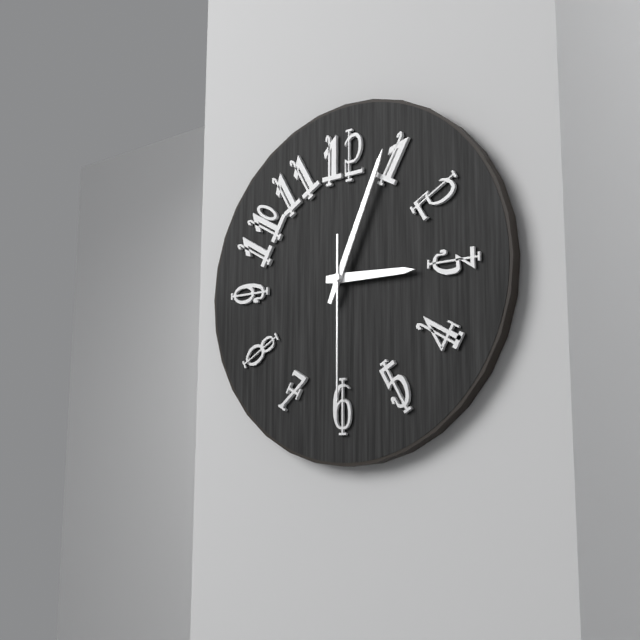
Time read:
3:04:30
